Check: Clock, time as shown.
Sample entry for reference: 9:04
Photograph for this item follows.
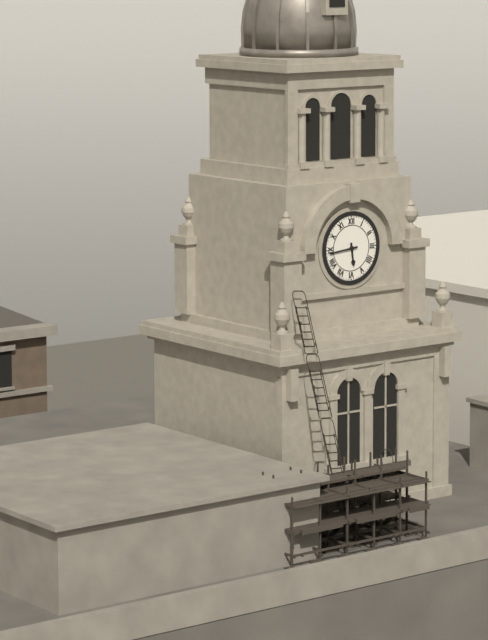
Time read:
5:44
